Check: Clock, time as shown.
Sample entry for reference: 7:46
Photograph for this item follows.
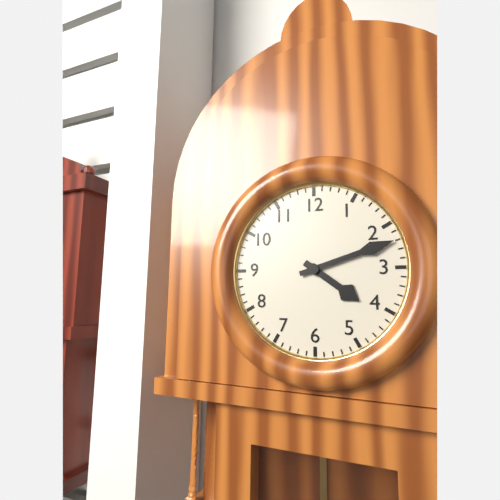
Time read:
4:12
